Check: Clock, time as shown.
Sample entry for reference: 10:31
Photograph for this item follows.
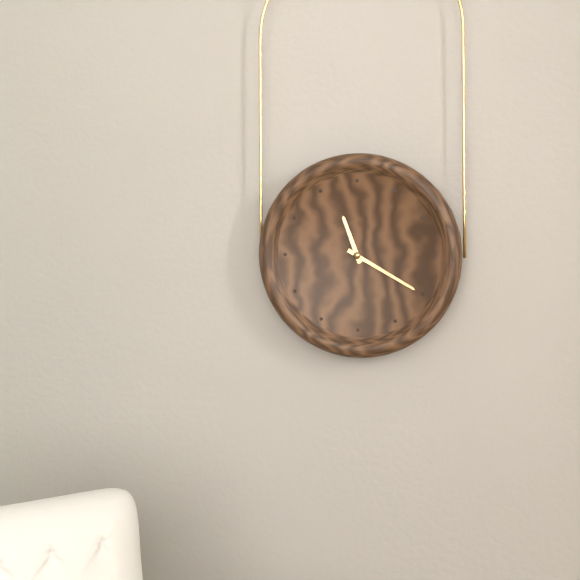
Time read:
11:20
